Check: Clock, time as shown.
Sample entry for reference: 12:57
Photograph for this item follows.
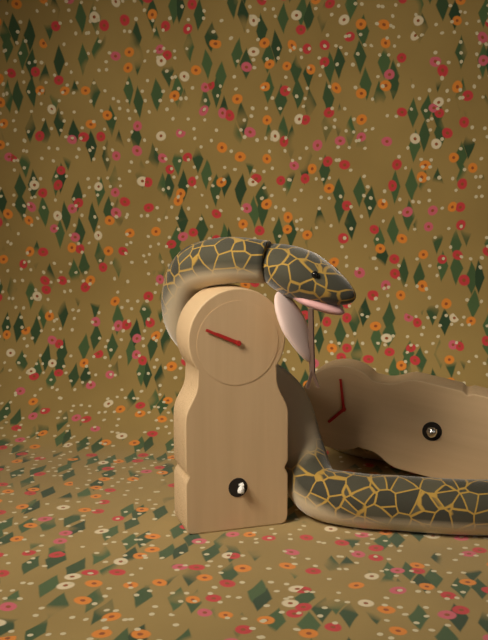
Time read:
9:49
